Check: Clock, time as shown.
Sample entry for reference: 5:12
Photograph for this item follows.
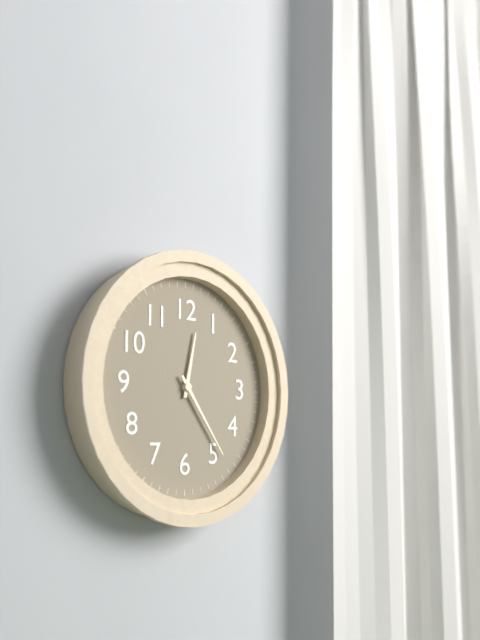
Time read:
12:24
